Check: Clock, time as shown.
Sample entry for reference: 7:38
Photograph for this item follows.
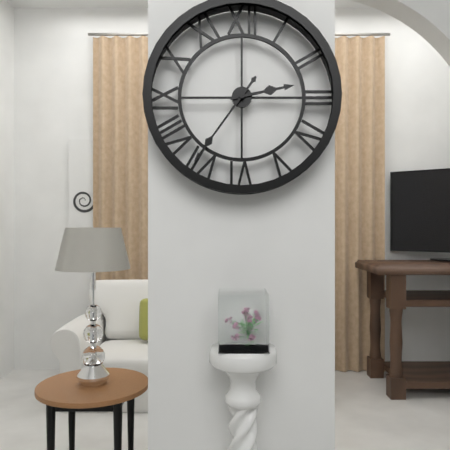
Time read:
2:36
